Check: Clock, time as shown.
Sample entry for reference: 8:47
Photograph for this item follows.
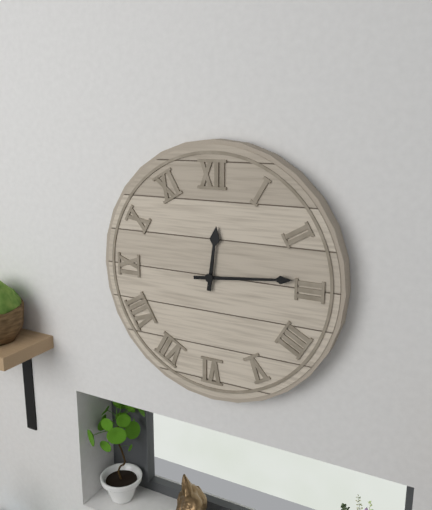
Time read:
12:14
